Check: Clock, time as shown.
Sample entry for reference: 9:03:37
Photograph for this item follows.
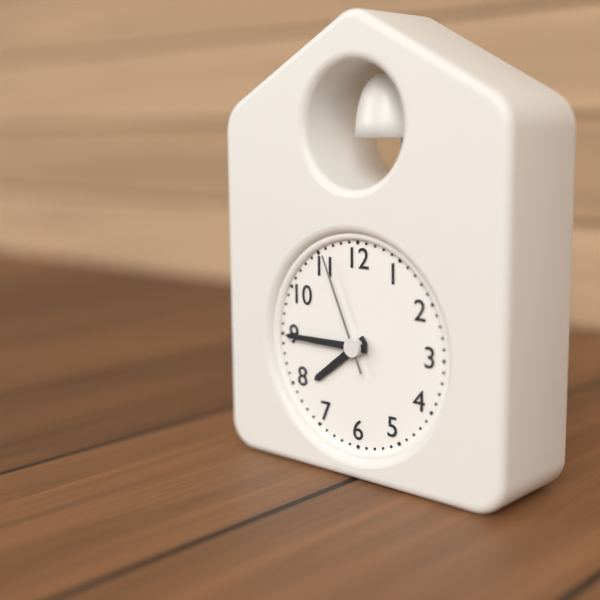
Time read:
7:45:56
